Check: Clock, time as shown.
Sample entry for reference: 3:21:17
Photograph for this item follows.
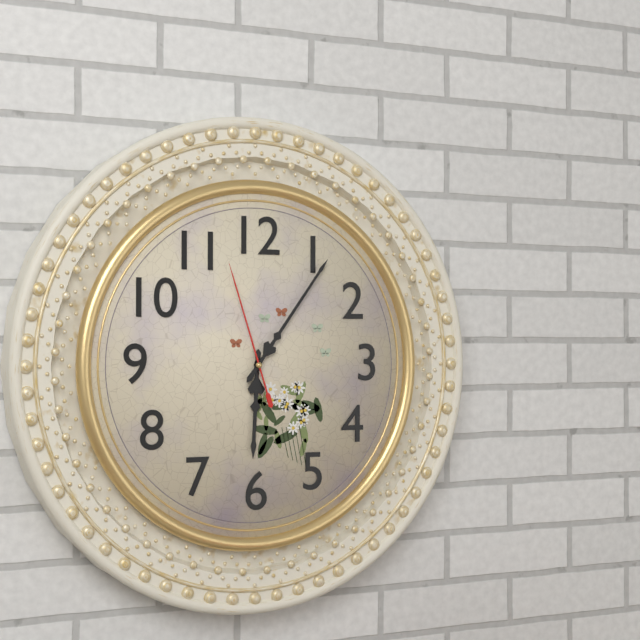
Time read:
6:06:57
